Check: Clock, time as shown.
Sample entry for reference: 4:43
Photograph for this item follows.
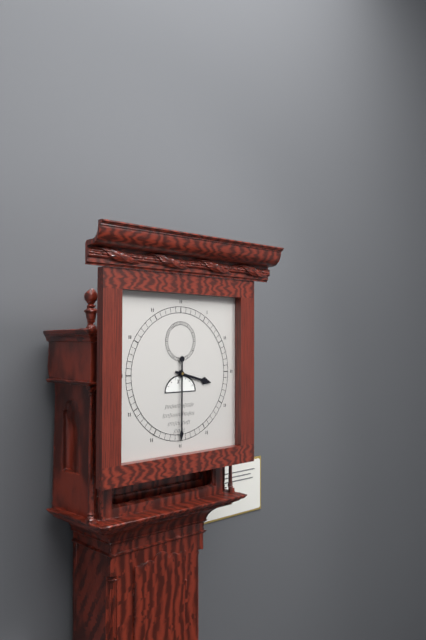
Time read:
3:30
